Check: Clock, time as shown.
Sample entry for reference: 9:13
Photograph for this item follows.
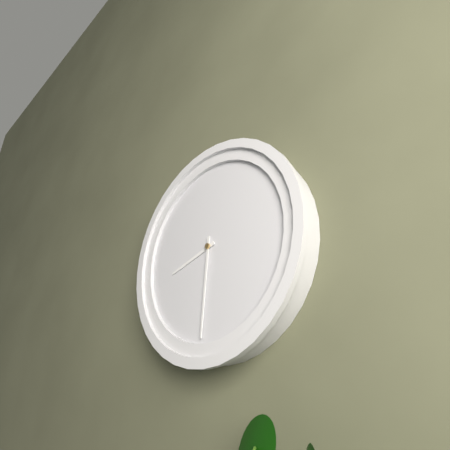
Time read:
8:31
